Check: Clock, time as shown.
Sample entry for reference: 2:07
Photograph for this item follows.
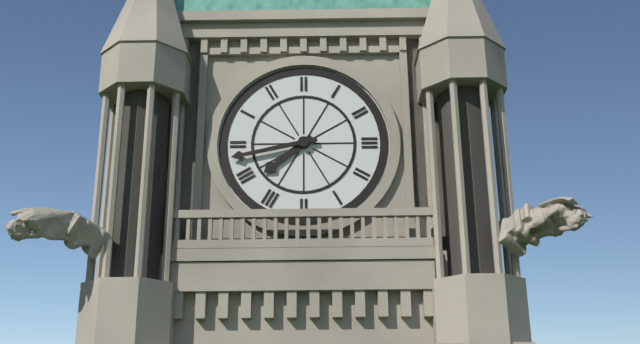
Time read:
7:43
